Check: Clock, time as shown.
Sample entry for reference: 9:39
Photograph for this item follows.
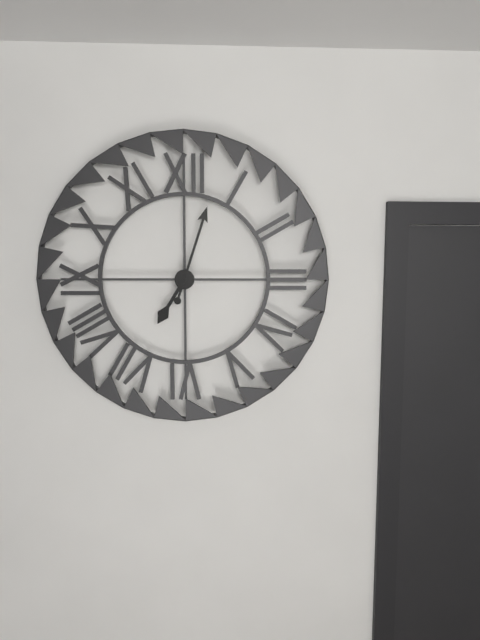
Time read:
7:03
